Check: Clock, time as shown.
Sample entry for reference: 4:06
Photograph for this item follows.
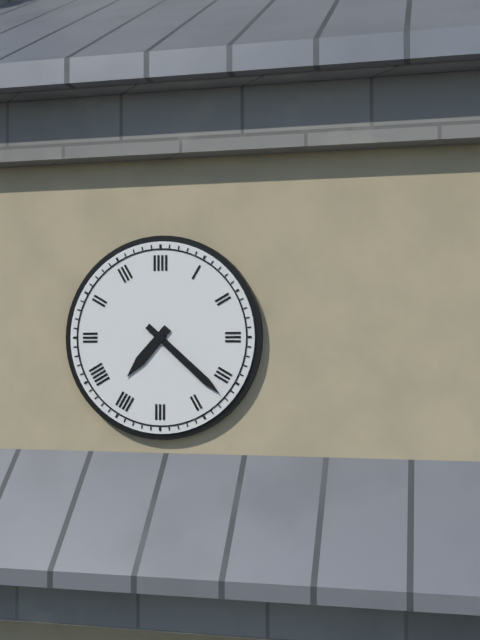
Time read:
7:22
